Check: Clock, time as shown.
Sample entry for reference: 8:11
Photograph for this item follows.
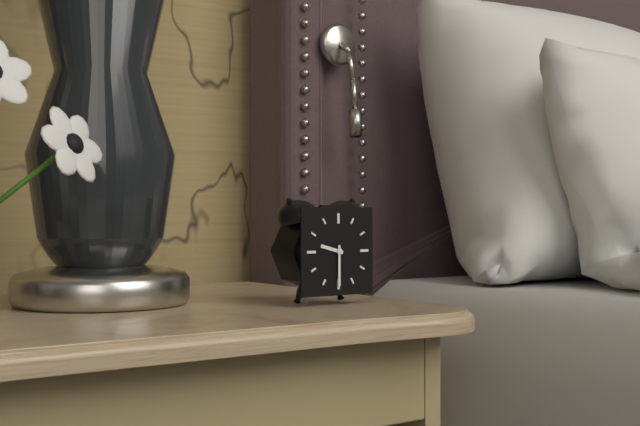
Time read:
9:30
